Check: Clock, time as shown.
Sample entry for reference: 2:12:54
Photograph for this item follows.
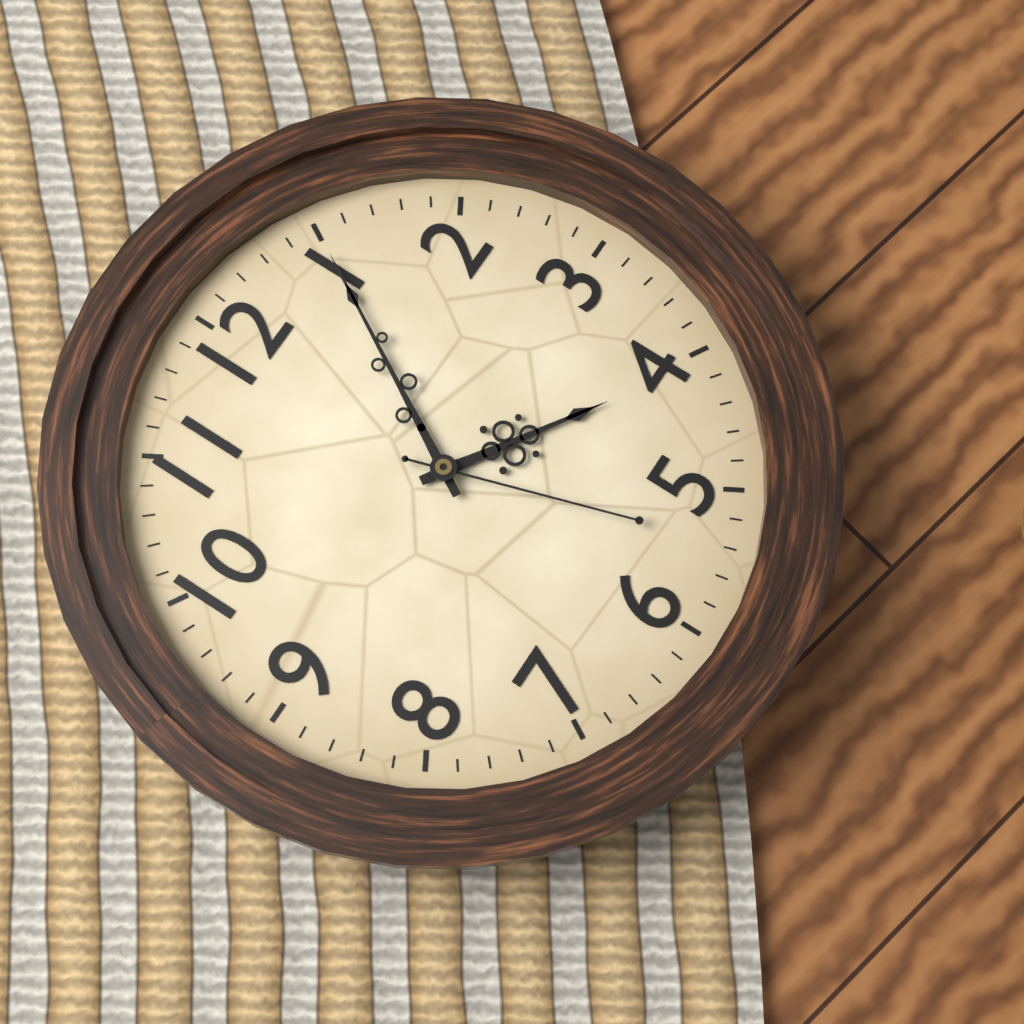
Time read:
4:05:27
